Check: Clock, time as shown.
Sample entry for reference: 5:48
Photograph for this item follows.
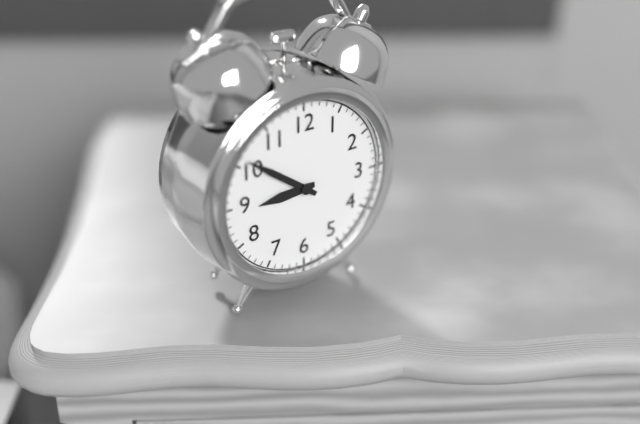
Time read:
8:51
